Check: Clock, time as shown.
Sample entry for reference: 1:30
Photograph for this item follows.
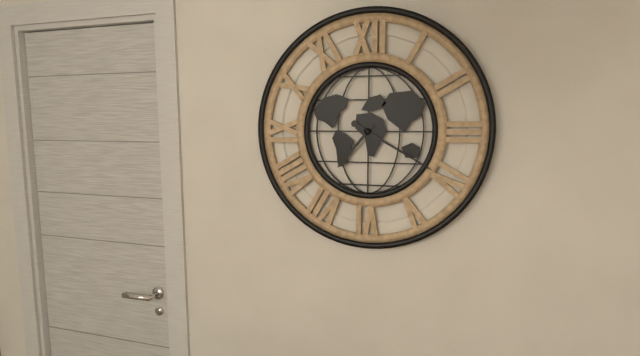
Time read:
7:20
